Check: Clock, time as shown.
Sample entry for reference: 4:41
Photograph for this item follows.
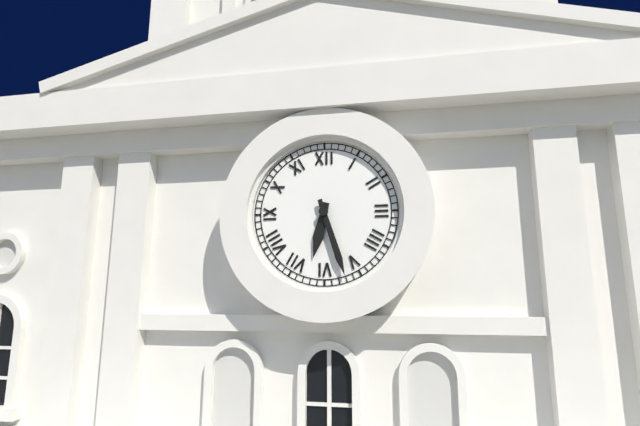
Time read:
6:27
